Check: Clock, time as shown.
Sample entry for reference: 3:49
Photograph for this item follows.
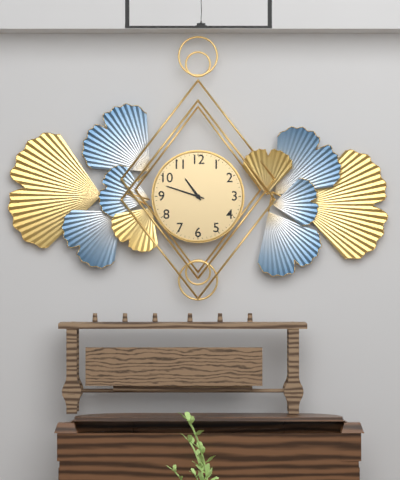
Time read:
10:48
